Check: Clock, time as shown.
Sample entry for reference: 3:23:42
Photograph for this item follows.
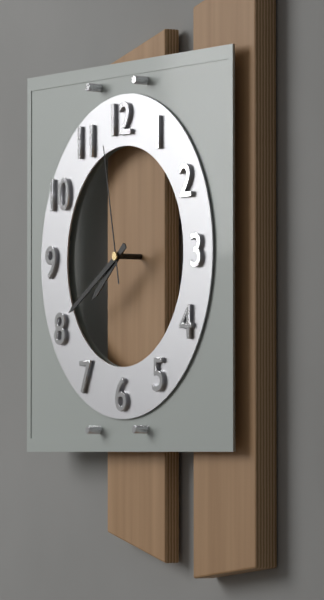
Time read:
7:40:58
